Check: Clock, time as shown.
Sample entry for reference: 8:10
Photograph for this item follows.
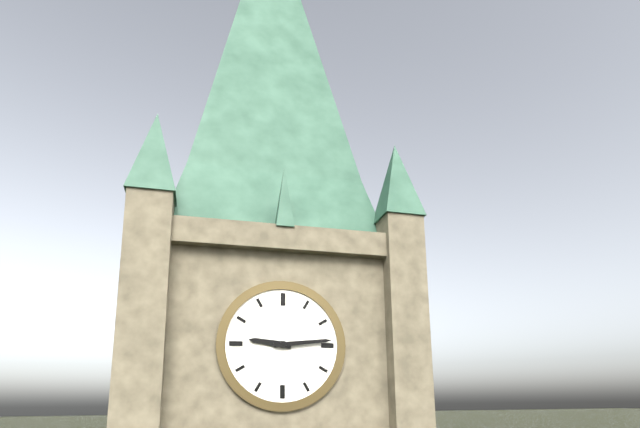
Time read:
9:14
